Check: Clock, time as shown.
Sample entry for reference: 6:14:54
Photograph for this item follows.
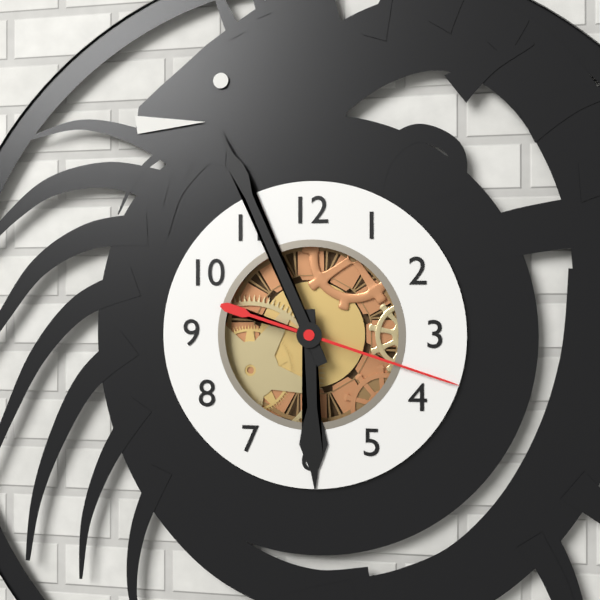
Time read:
5:56:18
